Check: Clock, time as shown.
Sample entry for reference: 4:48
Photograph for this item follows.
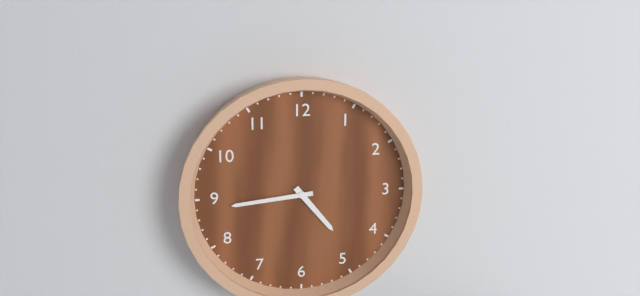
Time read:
4:44
